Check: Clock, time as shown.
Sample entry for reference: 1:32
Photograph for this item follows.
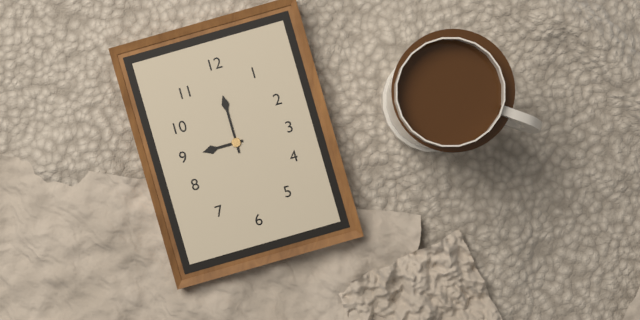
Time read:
9:00
